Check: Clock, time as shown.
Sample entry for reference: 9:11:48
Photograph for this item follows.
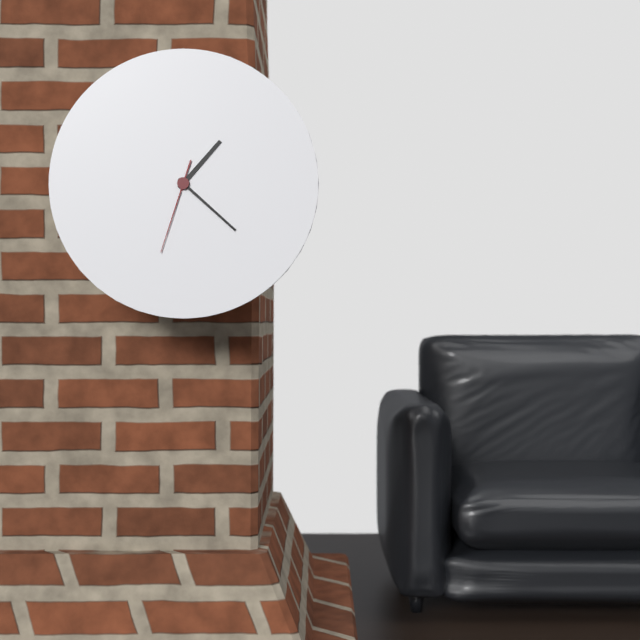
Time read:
1:22:33
